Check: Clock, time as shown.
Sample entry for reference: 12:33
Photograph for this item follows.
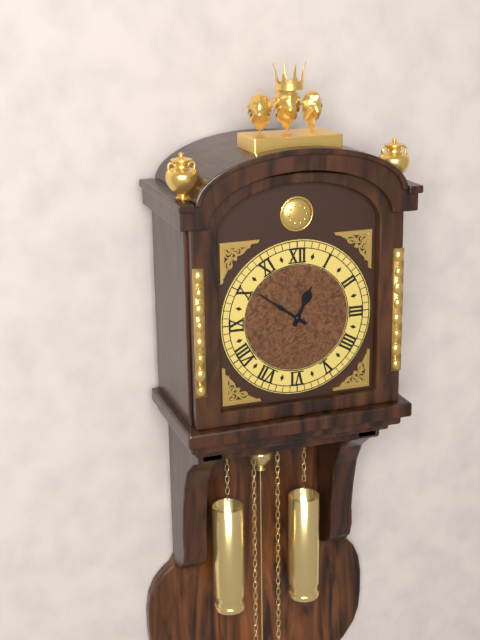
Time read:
12:51
